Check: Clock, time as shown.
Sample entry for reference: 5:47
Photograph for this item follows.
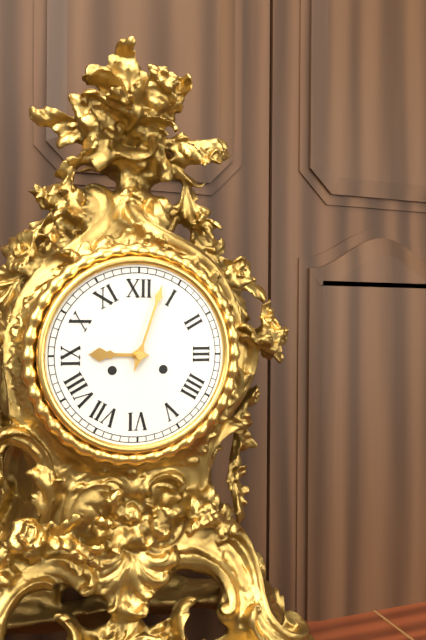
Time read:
9:03
